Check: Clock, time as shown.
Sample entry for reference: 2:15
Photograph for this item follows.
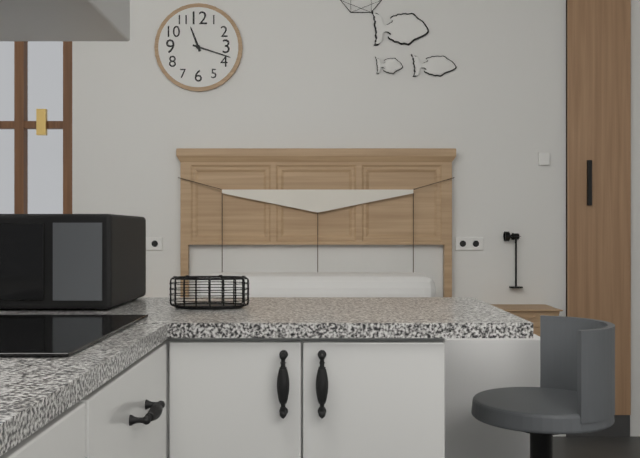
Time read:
11:18
